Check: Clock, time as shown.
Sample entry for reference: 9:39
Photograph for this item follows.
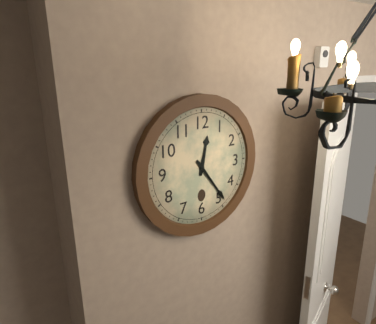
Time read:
12:24
